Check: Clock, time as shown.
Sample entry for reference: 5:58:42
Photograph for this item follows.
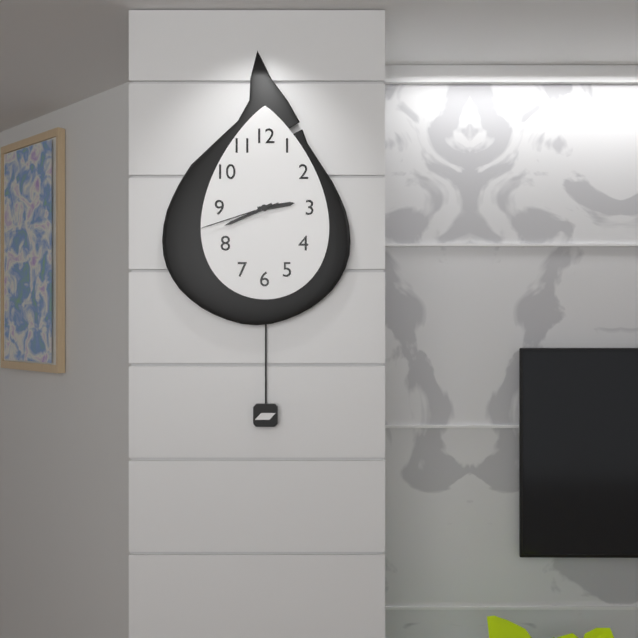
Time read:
2:41:42
